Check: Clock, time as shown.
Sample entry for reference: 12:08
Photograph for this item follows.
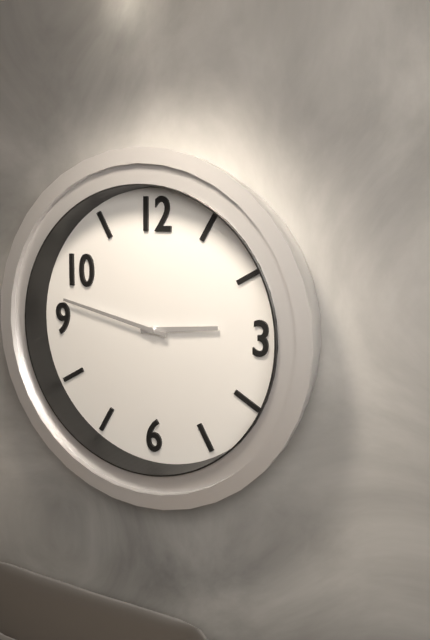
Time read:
2:47
